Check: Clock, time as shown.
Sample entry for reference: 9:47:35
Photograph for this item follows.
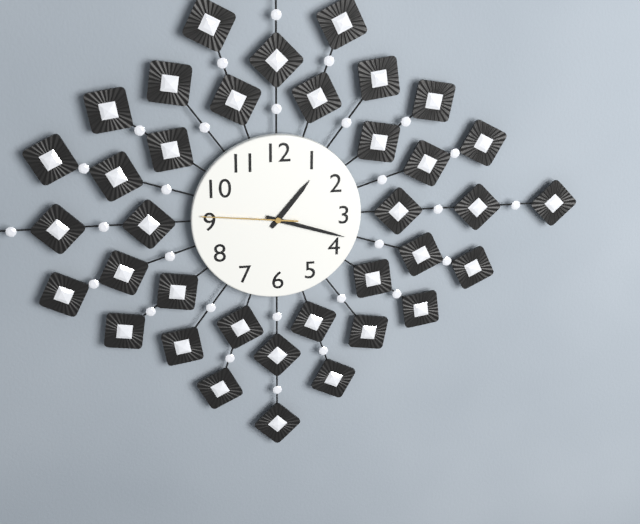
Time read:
1:18:46
